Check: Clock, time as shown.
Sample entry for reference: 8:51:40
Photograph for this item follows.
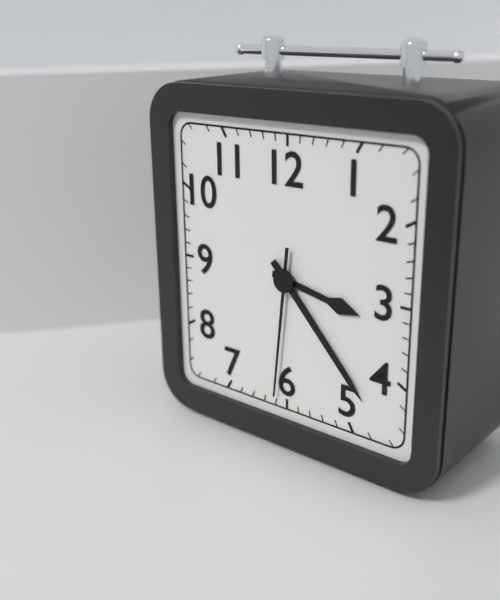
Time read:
3:23:31
